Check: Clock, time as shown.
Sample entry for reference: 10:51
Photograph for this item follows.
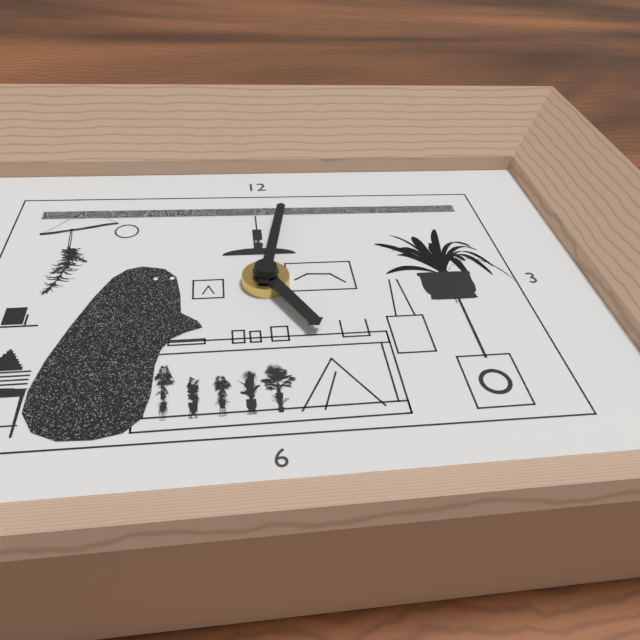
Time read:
5:02
